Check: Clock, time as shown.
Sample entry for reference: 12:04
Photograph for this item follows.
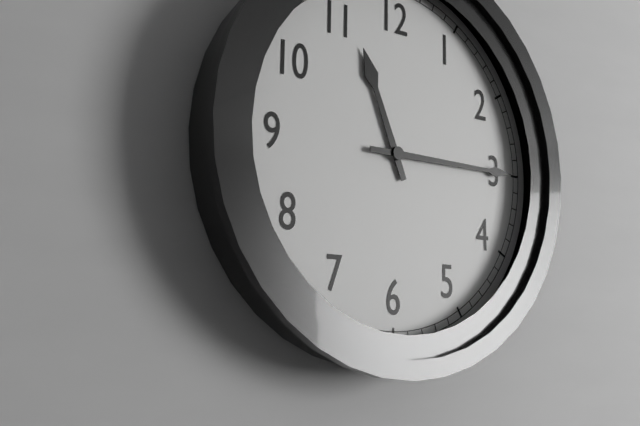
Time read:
11:15
